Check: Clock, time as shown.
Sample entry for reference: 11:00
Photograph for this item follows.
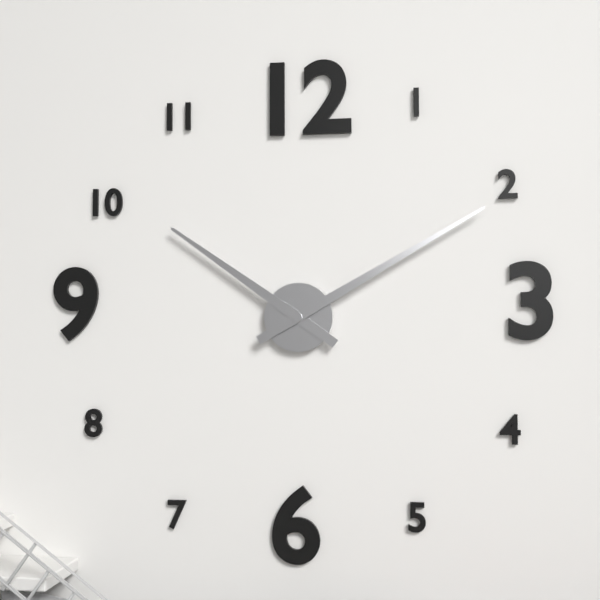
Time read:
10:10
